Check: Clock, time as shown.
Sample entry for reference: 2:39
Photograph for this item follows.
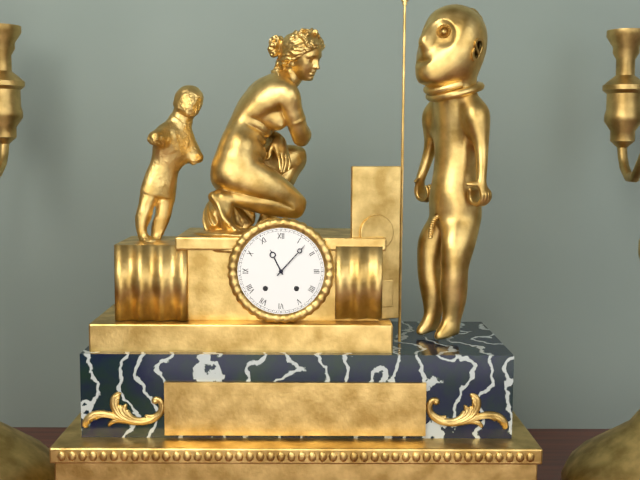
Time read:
11:07
